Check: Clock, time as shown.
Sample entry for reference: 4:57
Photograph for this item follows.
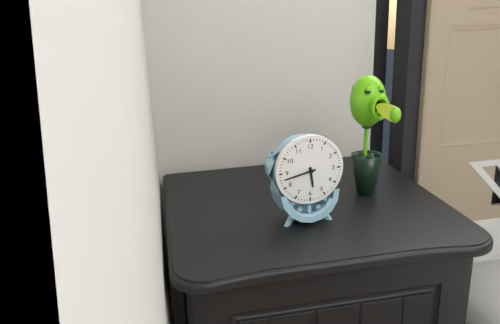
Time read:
5:43
